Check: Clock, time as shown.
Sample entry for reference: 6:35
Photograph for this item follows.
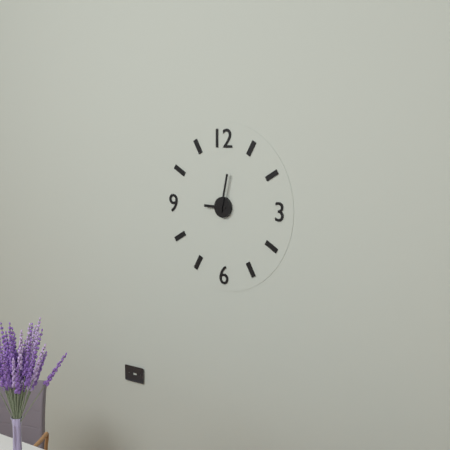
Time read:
9:02
